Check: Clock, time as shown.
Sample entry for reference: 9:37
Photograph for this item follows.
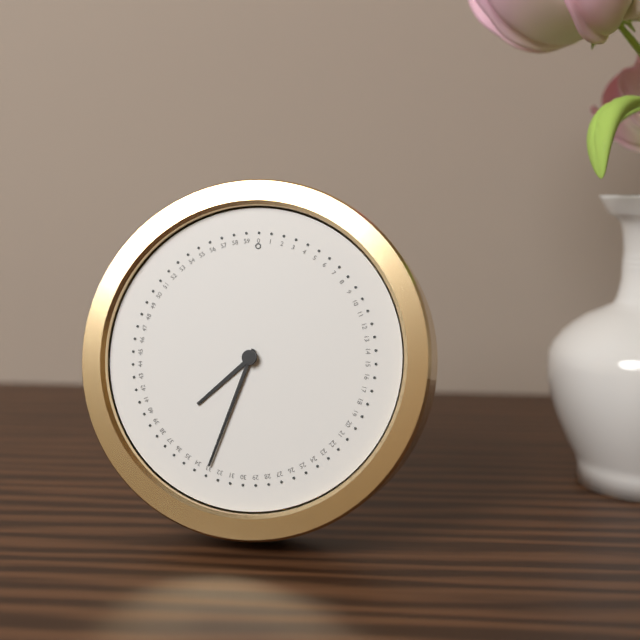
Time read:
7:33
